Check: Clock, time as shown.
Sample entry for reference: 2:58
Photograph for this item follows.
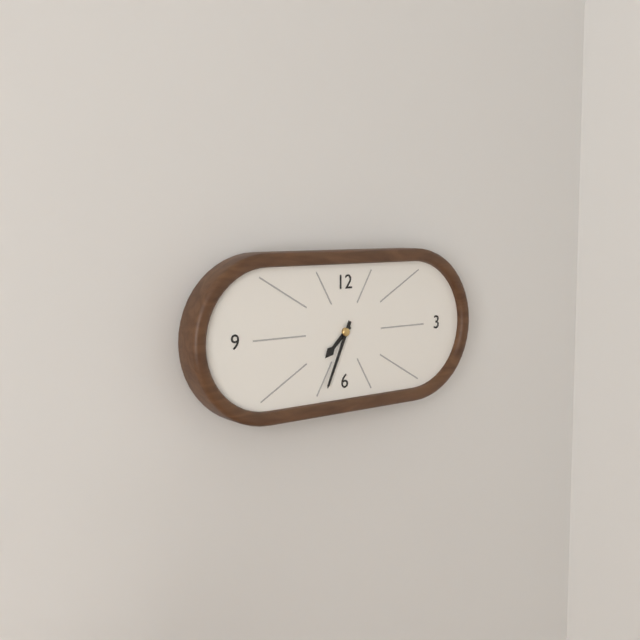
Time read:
7:34
